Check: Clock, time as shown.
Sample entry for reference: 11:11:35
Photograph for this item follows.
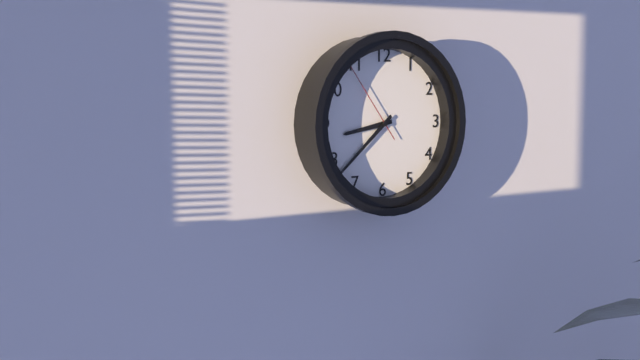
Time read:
8:38:54
